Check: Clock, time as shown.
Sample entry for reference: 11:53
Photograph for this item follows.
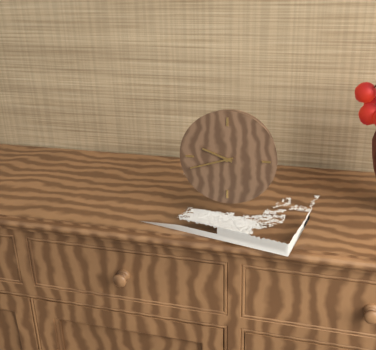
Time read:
9:42
